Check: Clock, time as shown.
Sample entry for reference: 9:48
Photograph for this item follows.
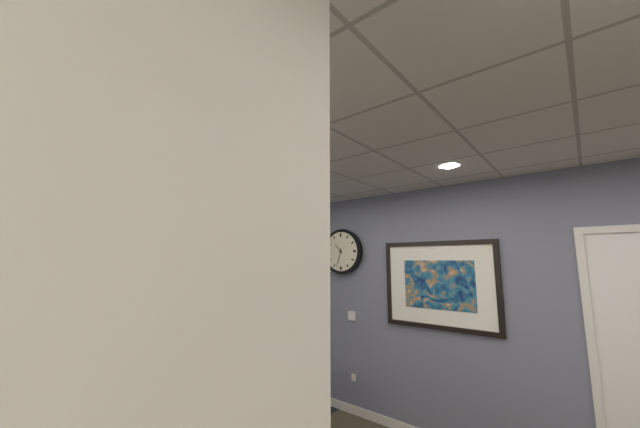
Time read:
10:33
